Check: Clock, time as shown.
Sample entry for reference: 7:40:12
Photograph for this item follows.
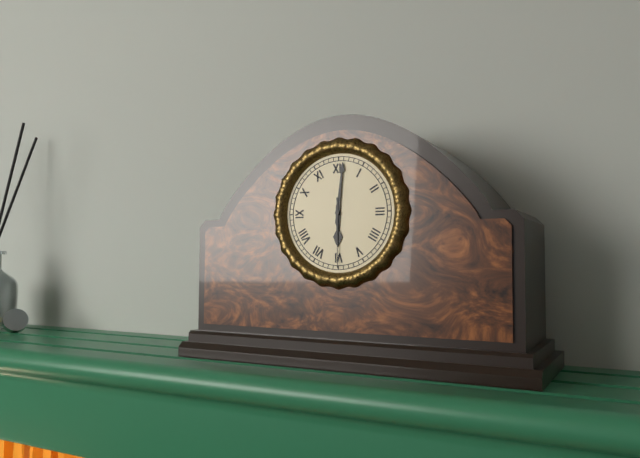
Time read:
6:01:30
